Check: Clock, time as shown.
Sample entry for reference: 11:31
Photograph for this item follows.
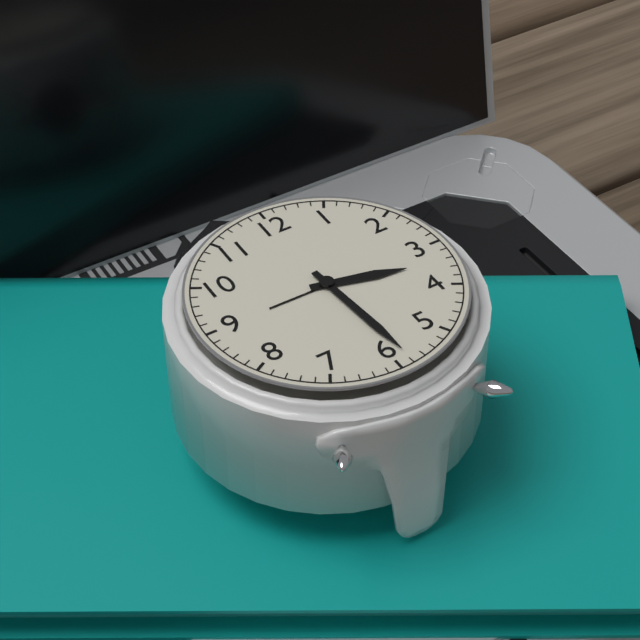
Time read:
3:29
